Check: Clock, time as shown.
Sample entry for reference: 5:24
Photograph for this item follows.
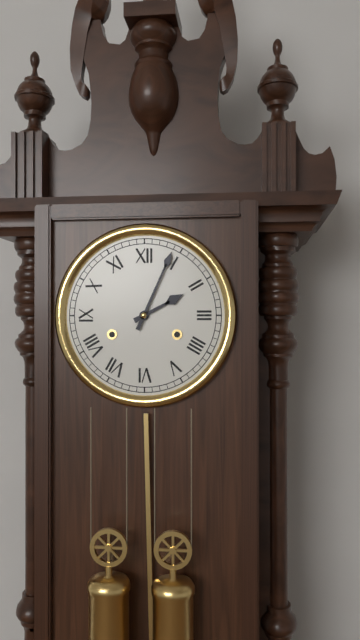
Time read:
2:04
